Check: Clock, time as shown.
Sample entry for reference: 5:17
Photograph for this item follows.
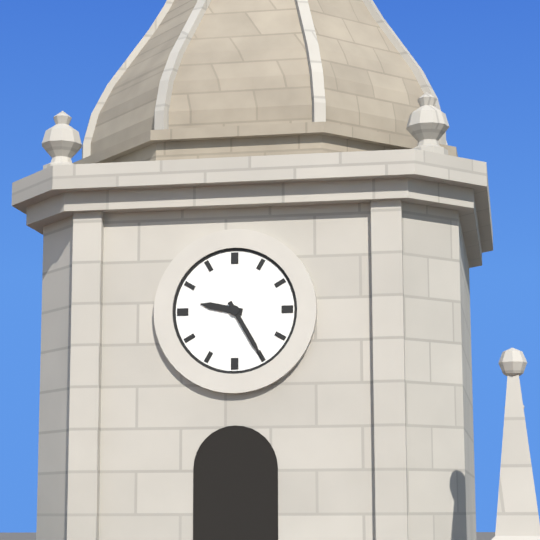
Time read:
9:25
